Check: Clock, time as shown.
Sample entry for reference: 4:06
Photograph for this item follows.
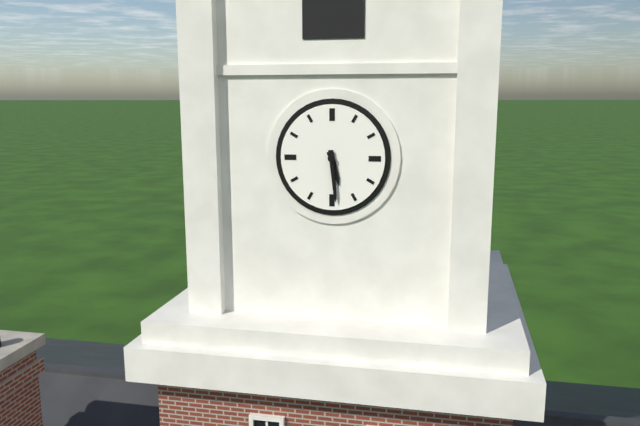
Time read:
5:29
